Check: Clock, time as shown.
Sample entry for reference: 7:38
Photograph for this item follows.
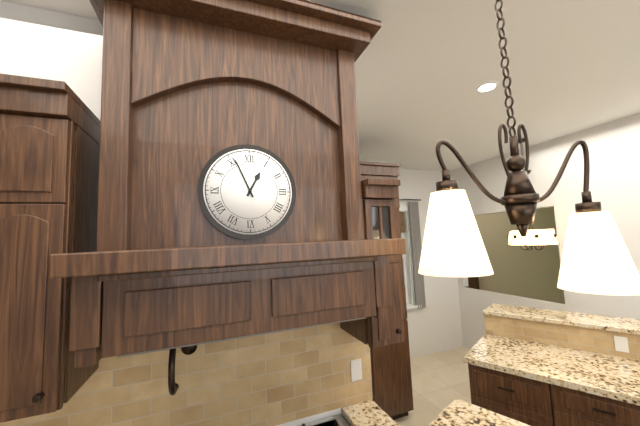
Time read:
12:56
